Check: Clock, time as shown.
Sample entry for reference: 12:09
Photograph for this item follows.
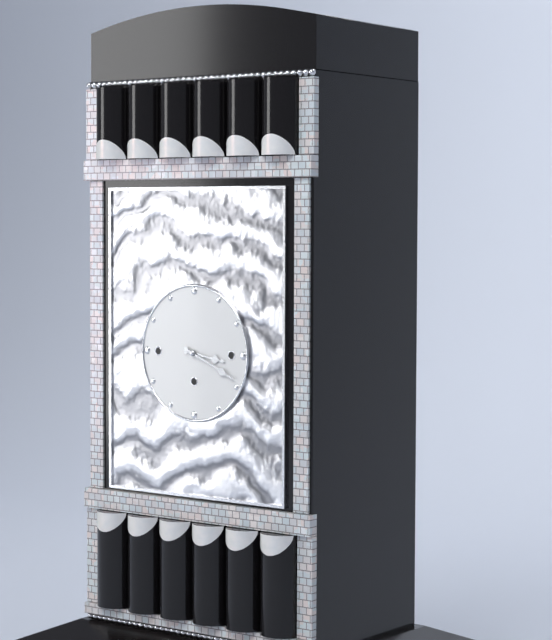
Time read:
3:19
